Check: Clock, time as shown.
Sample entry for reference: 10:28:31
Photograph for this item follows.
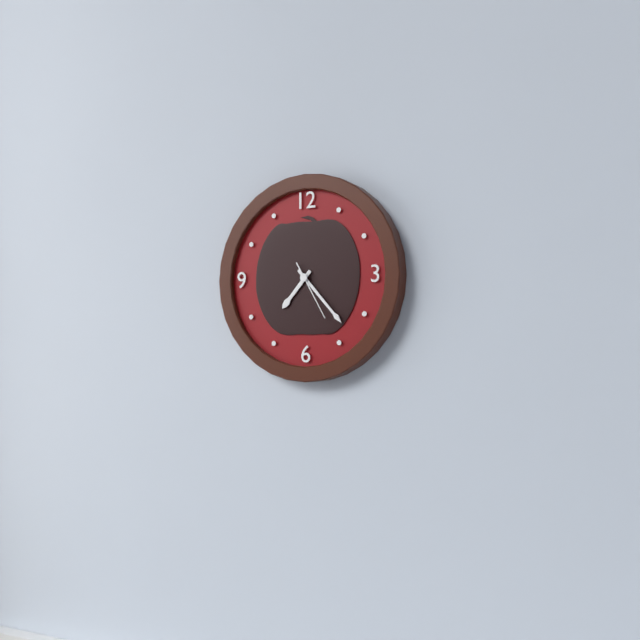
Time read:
7:23:25
